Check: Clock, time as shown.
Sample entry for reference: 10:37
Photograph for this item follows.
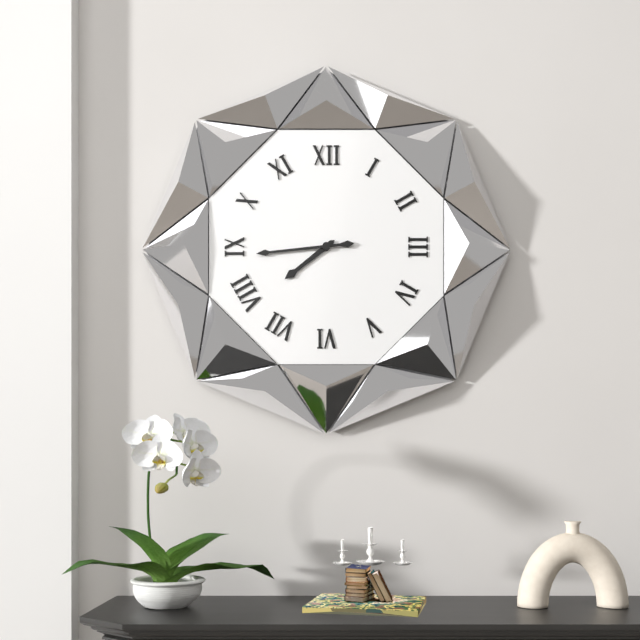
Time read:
7:44
